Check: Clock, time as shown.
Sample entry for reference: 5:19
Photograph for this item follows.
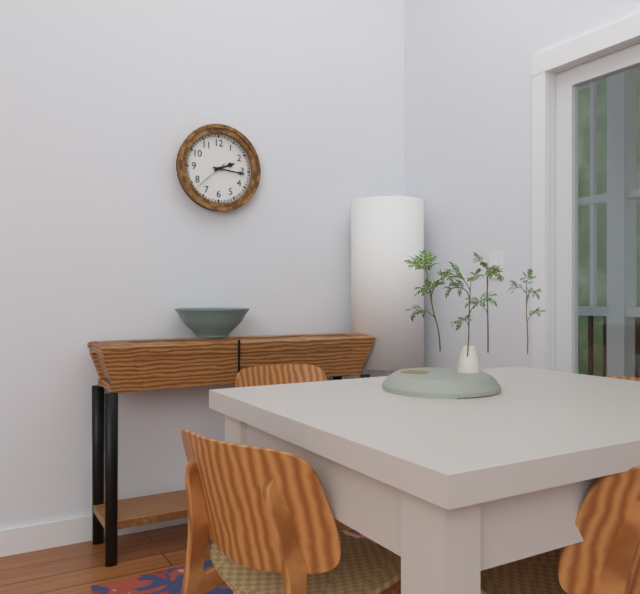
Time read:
2:16
